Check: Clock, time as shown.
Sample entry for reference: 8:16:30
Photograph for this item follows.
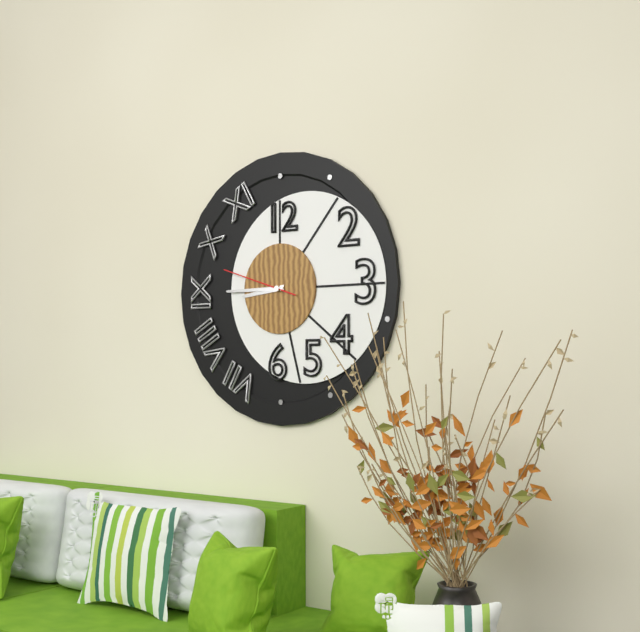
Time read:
8:45:48
